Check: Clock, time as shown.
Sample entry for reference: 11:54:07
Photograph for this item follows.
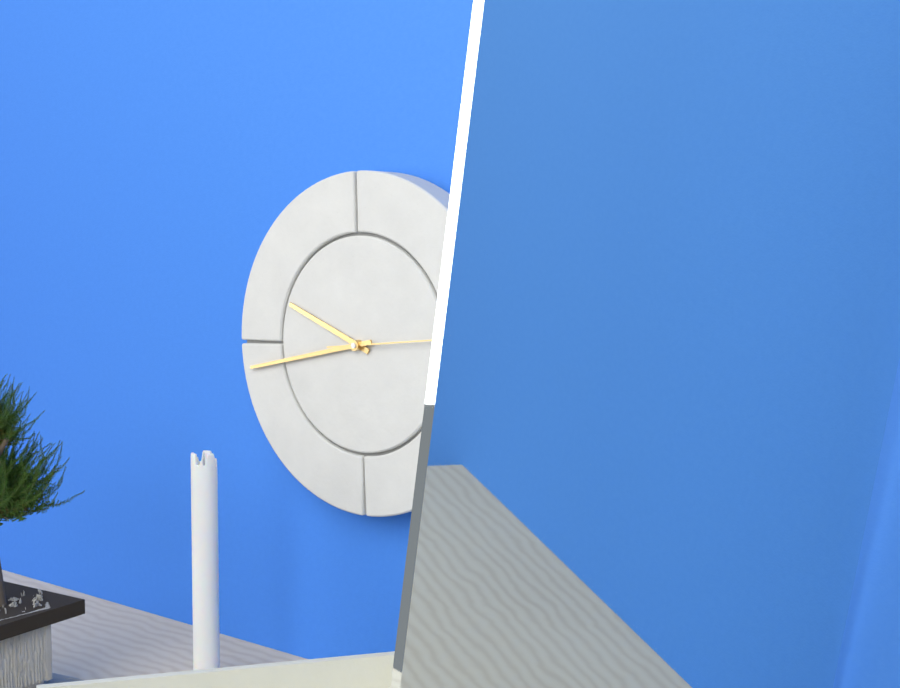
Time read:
9:43:14
